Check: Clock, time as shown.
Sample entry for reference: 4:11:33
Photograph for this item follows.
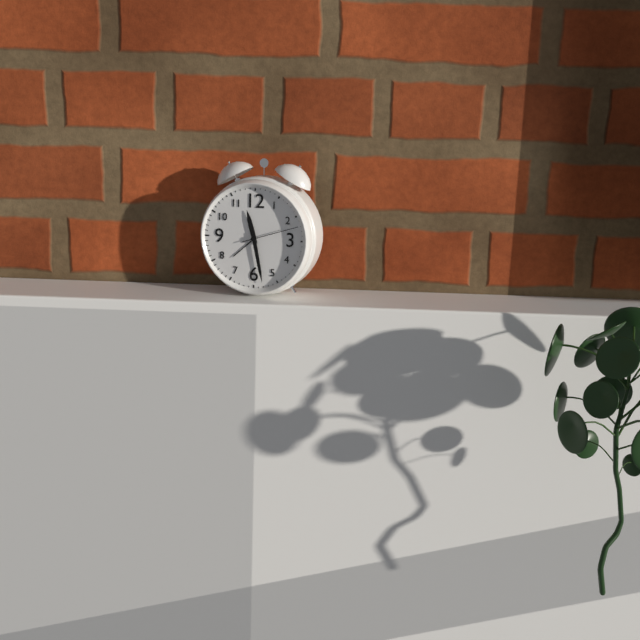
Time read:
11:28:12
